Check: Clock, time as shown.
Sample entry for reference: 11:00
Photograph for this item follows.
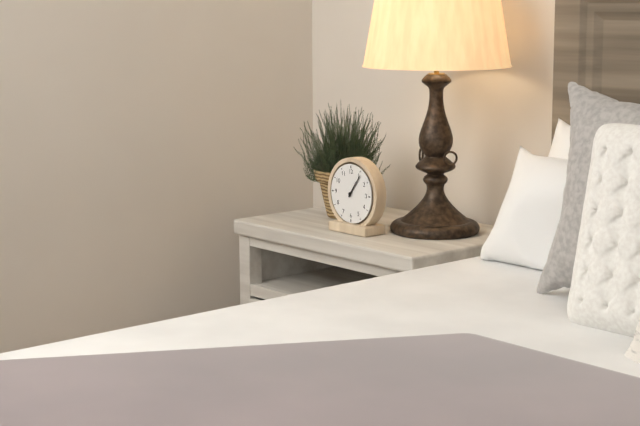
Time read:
1:06
